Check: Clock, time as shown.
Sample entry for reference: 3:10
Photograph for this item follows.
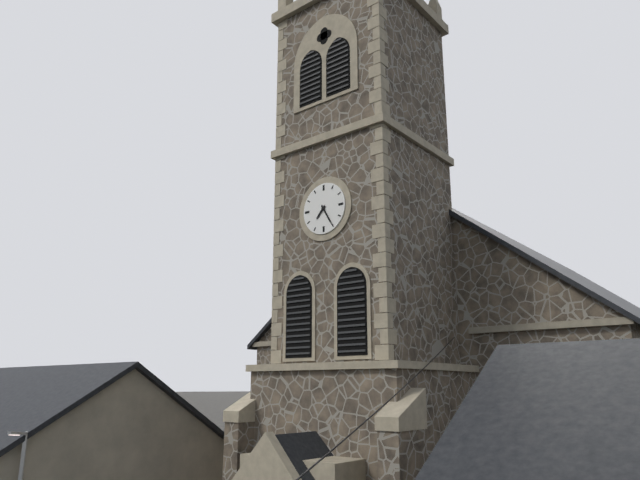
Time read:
7:25
